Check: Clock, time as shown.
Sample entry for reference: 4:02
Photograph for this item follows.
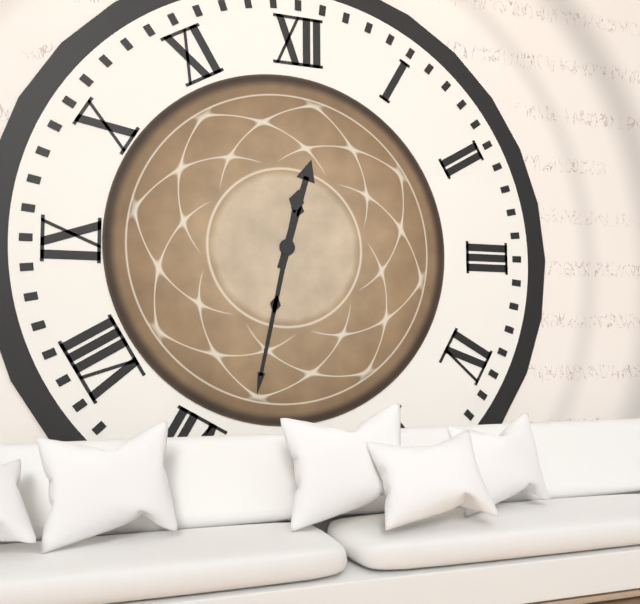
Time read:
12:32
